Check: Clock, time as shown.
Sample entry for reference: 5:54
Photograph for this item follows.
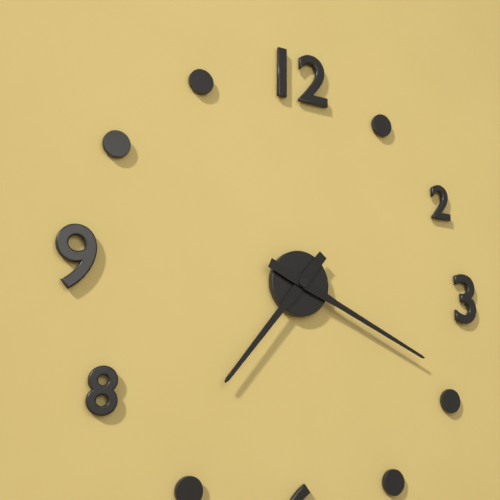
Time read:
7:19
